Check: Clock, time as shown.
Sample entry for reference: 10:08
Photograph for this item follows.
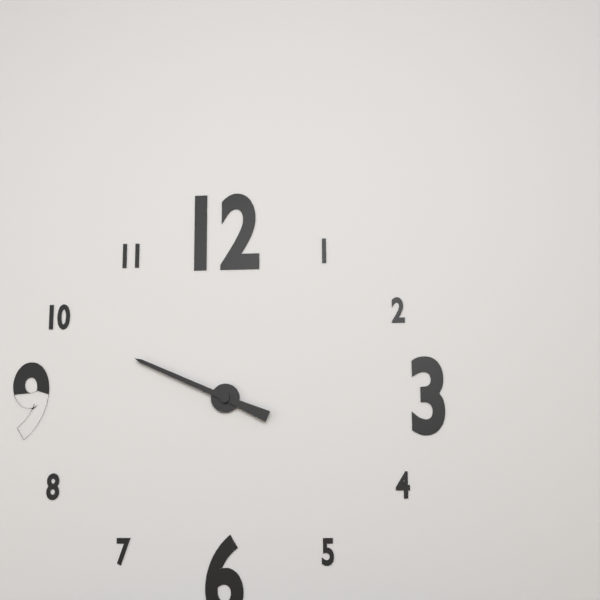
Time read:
9:49
